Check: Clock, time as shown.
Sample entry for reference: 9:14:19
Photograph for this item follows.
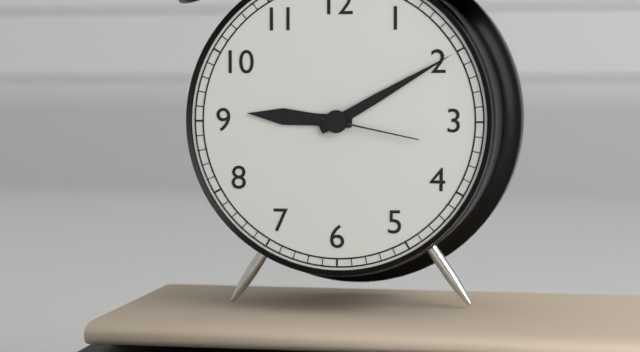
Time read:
9:10:17
